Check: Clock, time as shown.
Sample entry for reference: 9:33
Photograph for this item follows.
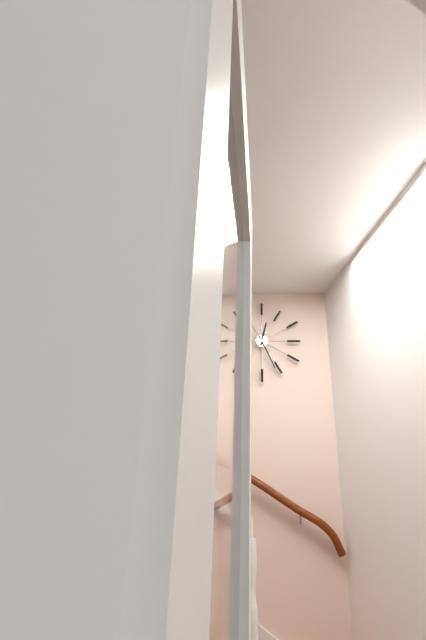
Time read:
12:26
